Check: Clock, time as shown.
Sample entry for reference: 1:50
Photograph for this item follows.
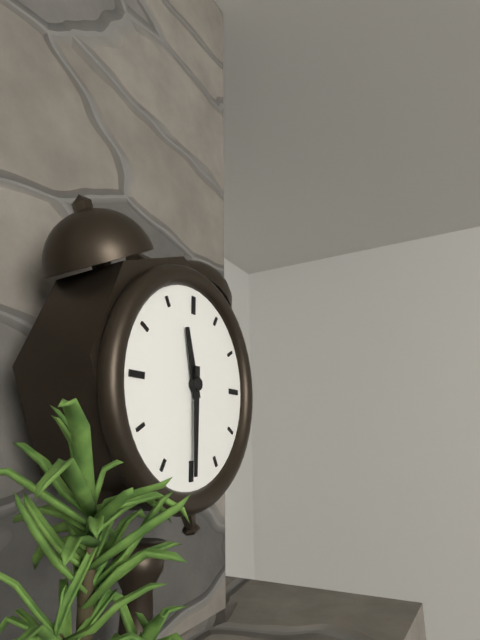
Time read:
11:30
